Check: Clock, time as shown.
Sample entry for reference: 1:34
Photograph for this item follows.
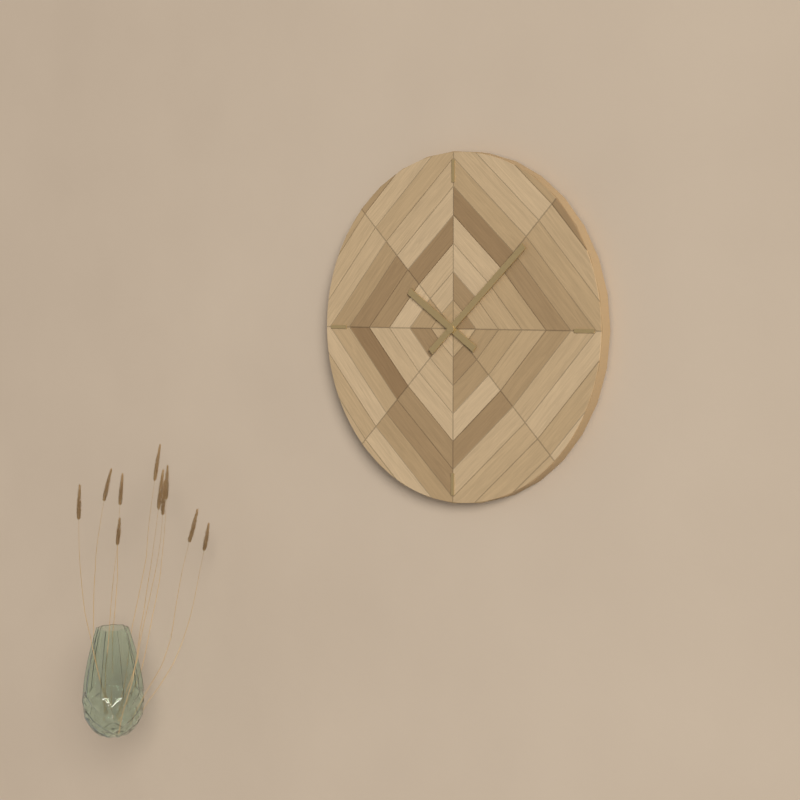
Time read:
10:08
